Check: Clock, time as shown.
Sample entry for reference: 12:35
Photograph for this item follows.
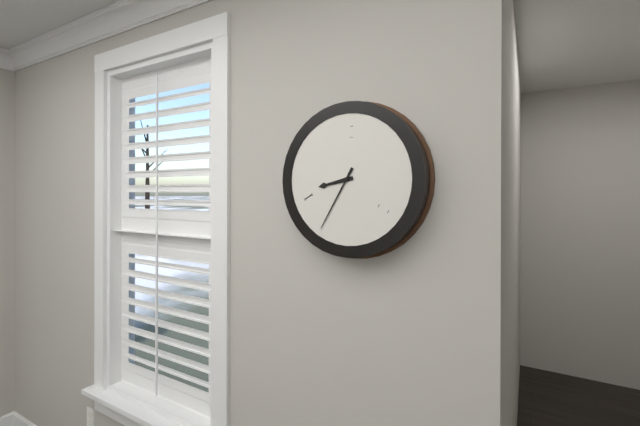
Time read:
8:35
